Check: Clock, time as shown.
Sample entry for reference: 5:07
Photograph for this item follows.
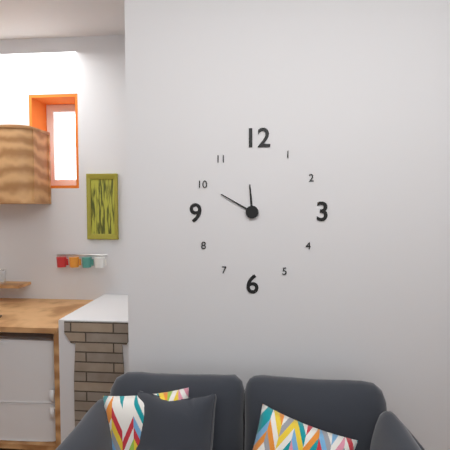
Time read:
11:50
